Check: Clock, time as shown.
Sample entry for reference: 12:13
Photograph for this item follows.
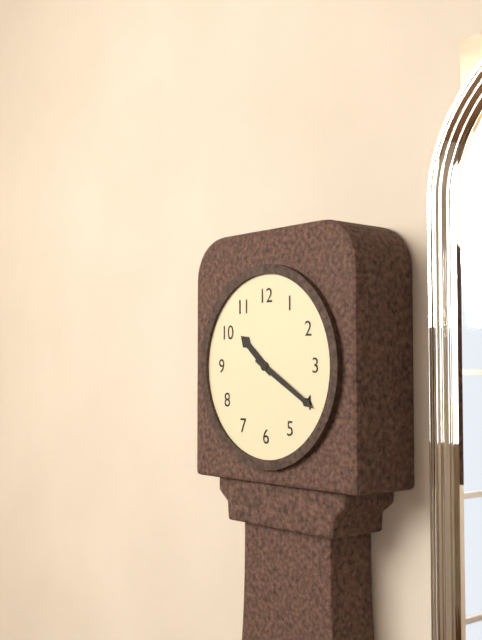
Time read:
10:20
